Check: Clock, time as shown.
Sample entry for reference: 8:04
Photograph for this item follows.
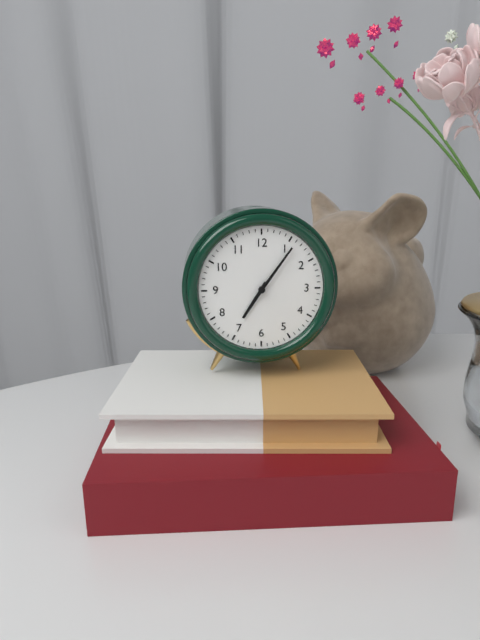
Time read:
7:06
